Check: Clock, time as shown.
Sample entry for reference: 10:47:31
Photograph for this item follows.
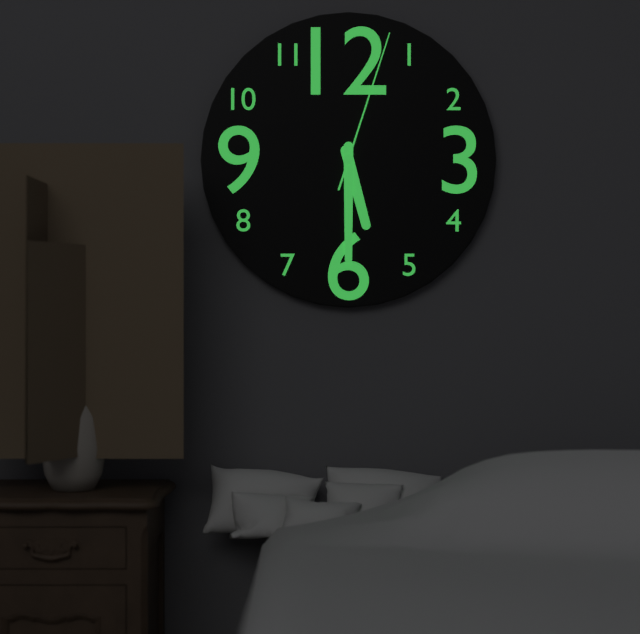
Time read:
5:30:03
